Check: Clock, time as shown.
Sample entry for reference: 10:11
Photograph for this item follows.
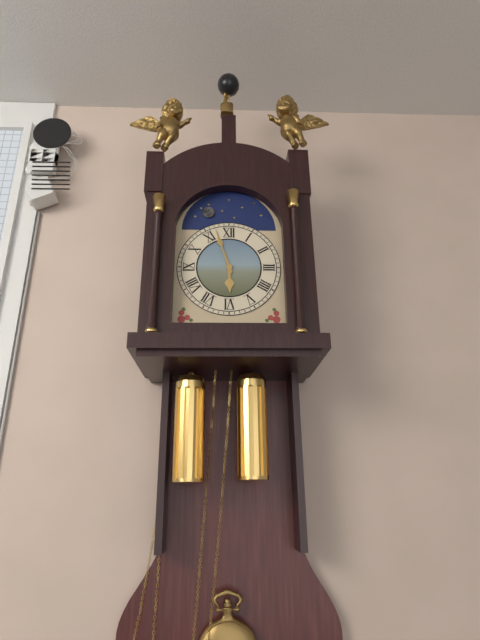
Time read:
5:57
